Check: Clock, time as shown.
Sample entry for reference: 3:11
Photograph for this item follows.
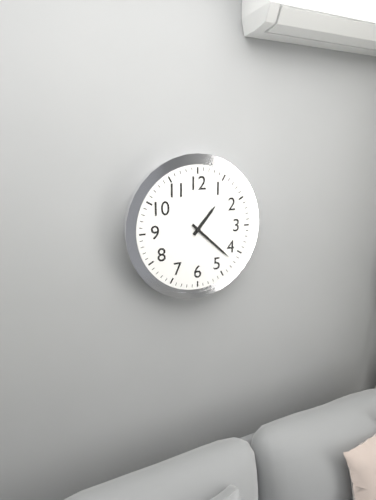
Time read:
1:22
